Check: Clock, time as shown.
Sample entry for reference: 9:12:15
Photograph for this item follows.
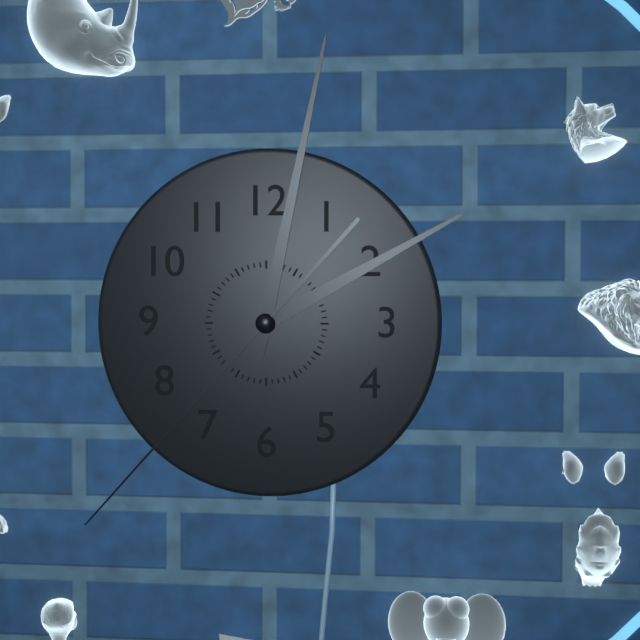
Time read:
2:02:37
